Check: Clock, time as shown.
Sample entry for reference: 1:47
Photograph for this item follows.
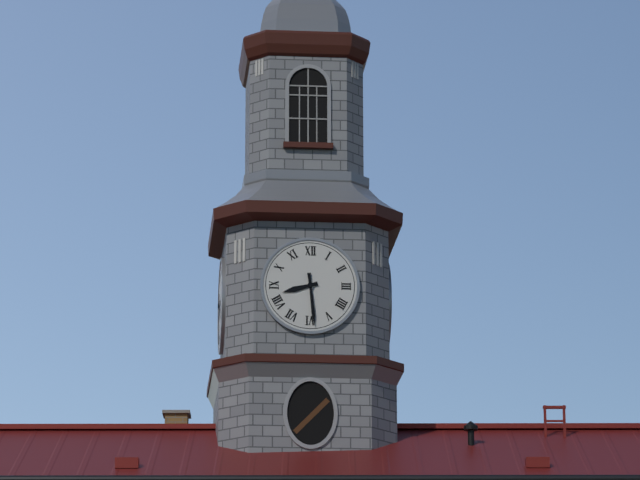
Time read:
8:29
